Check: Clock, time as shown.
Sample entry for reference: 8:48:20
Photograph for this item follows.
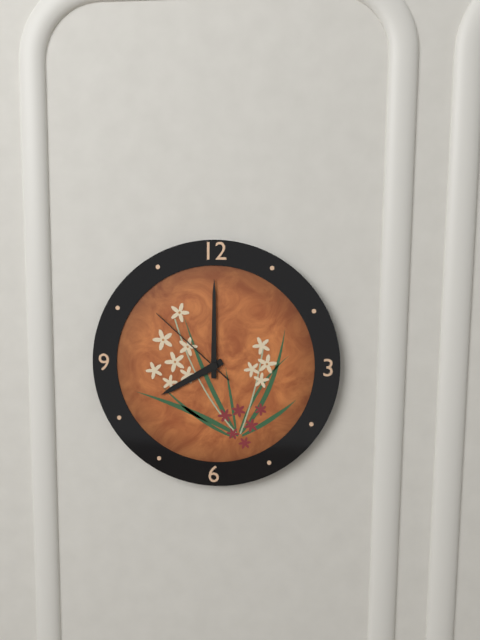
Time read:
8:00:52
